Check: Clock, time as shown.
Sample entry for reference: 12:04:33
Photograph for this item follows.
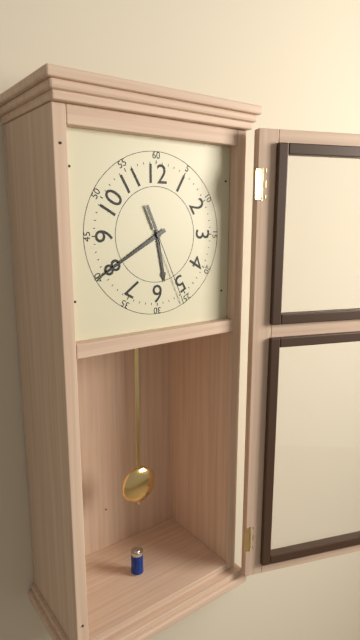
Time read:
5:40:26
